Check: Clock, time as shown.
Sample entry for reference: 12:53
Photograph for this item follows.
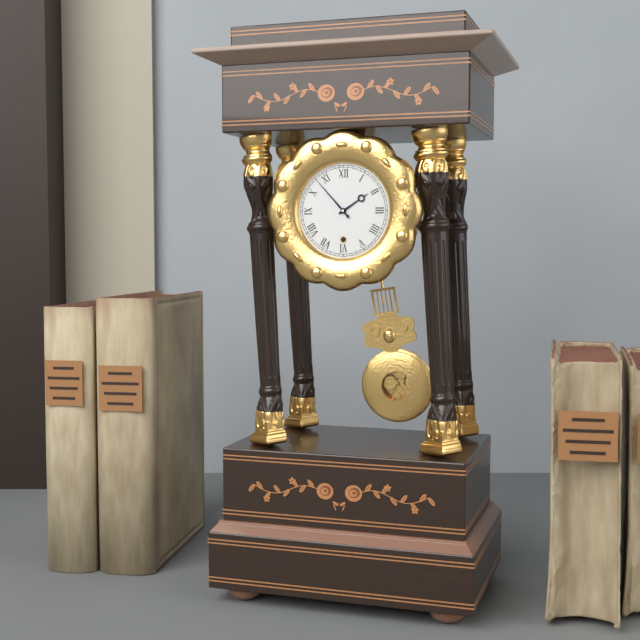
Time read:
1:53
